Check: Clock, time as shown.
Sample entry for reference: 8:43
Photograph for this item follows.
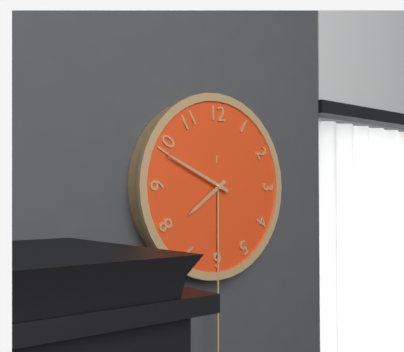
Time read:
7:49
